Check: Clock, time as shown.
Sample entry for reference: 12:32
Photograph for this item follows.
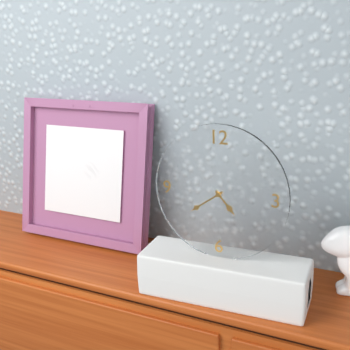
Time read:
4:39
